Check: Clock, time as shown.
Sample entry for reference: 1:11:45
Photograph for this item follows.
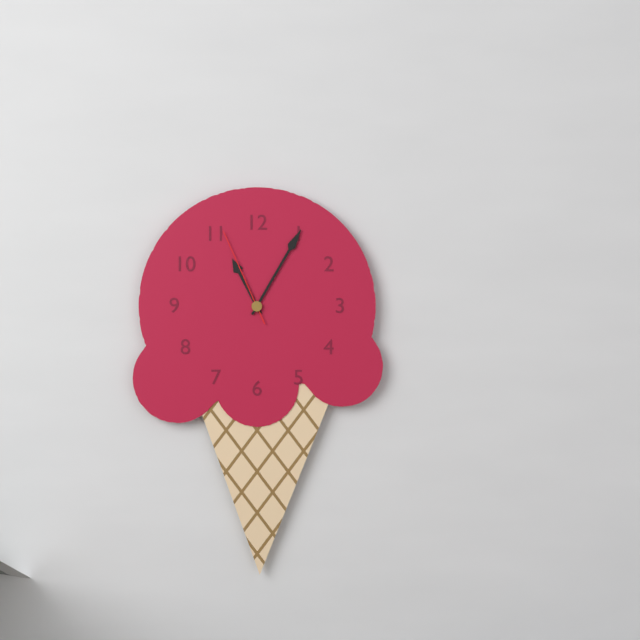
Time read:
11:05:56
